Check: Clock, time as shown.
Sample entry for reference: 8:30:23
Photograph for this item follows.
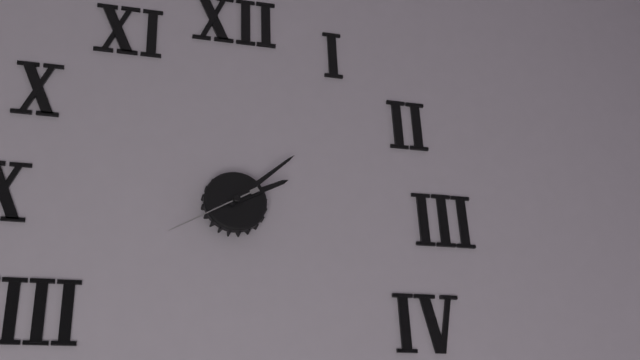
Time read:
2:08:40
